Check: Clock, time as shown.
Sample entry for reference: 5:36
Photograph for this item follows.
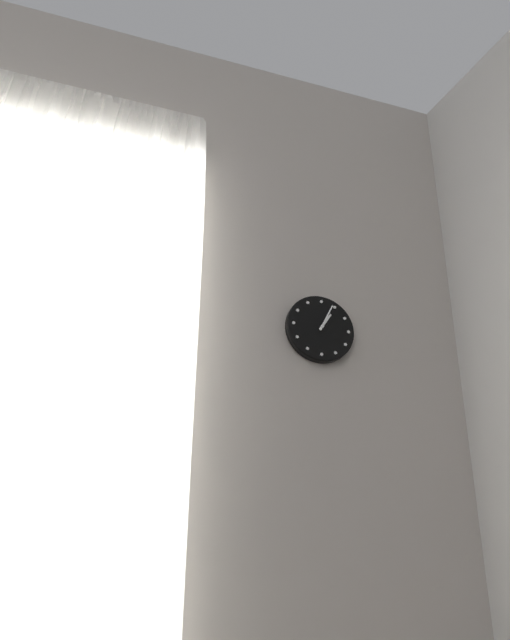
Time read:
1:04
